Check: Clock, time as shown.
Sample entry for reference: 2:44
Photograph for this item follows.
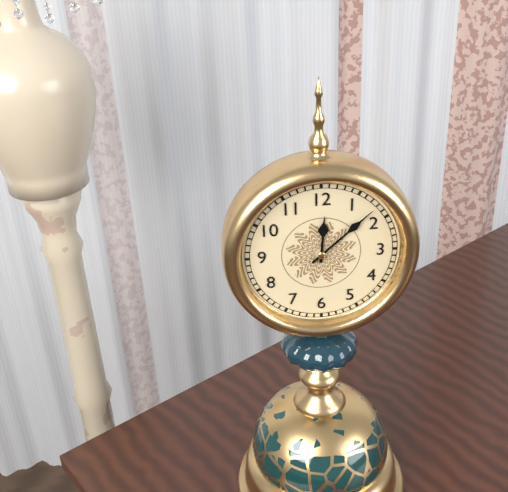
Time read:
12:08
